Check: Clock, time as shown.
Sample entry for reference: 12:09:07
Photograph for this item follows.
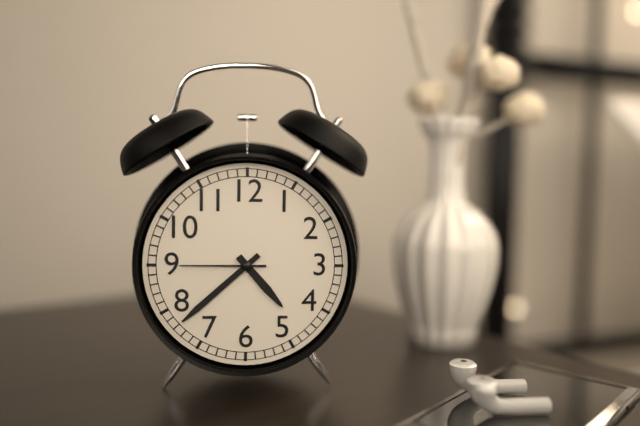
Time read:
4:38:45
